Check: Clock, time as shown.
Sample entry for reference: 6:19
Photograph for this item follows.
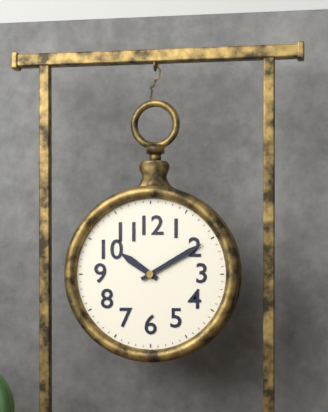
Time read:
10:10
